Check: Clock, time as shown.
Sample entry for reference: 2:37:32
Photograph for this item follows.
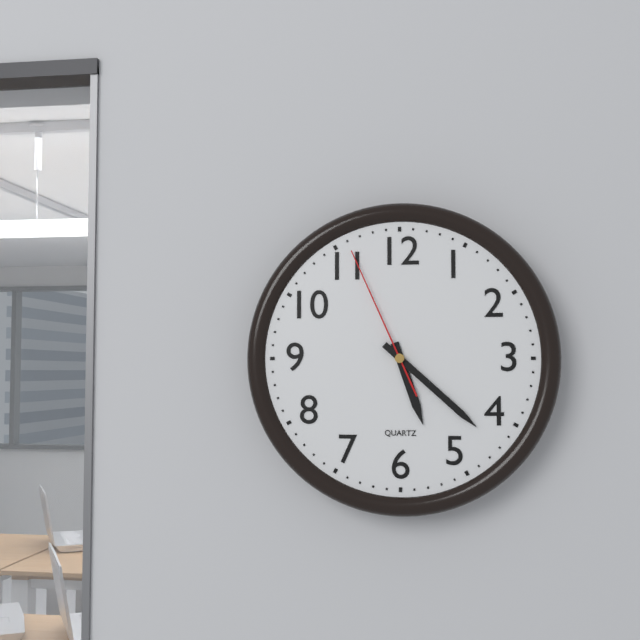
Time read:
5:22:56
